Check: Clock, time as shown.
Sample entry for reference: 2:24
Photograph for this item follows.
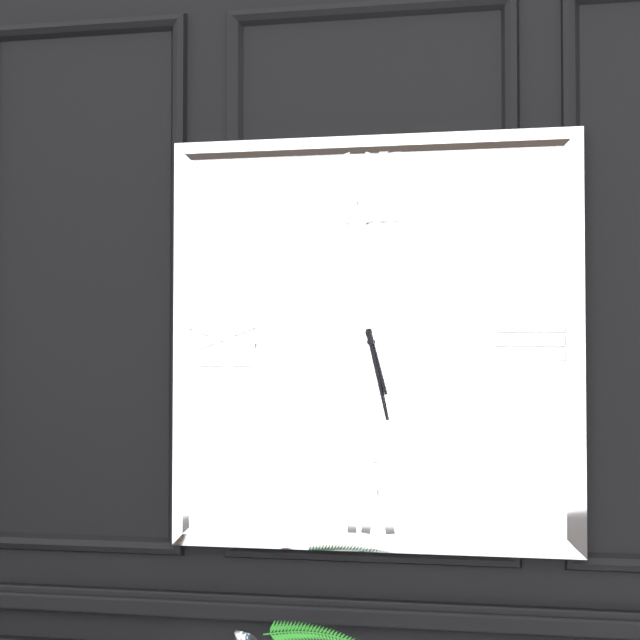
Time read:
5:28
